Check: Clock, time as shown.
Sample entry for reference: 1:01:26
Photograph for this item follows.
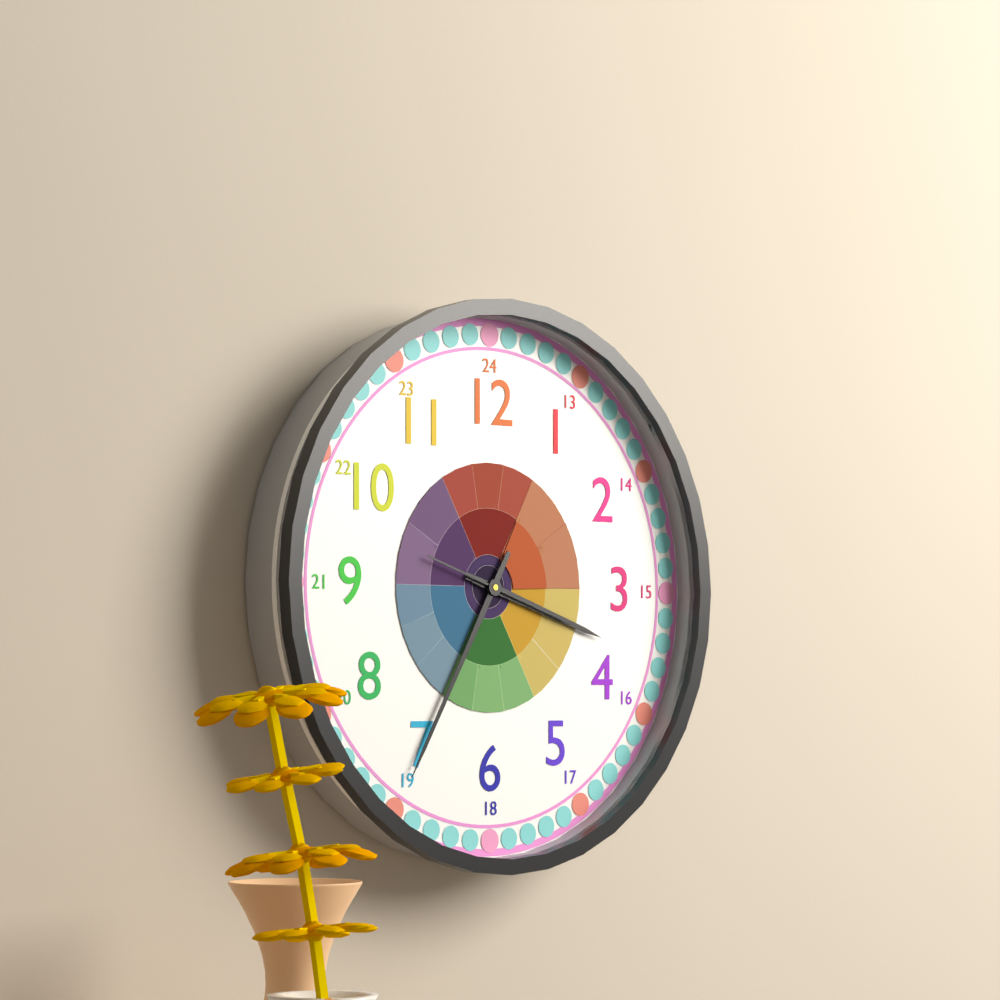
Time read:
3:35:18
